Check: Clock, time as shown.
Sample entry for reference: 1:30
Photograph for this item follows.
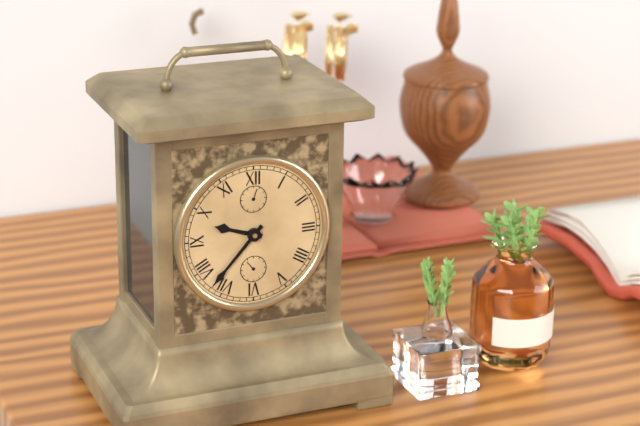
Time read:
9:37
